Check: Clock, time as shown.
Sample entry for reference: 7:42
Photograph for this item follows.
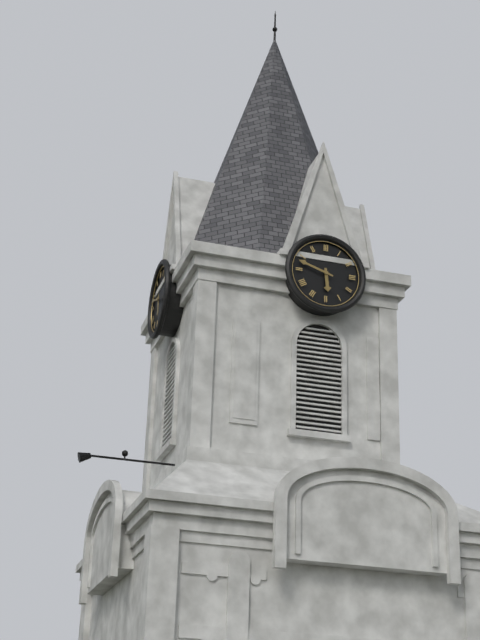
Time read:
5:48
